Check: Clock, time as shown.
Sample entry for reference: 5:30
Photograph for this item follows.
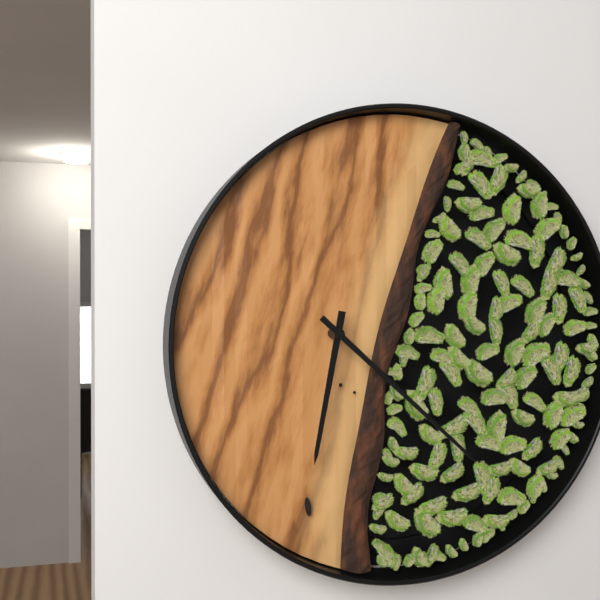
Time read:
6:22
